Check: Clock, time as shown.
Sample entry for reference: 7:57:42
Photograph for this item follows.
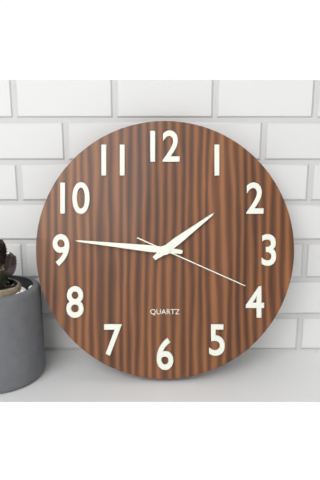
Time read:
1:46:19
